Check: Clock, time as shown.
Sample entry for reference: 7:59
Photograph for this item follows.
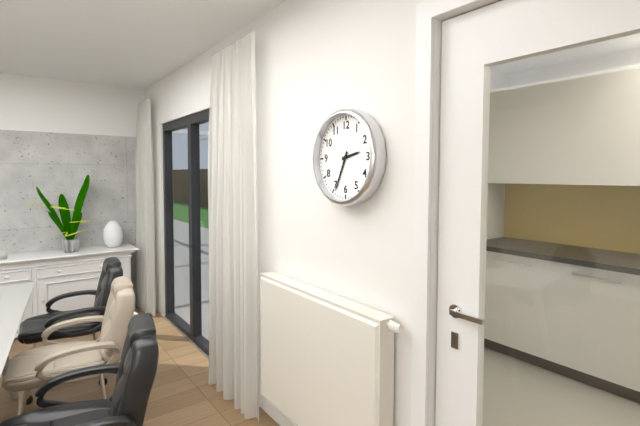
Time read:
2:34
